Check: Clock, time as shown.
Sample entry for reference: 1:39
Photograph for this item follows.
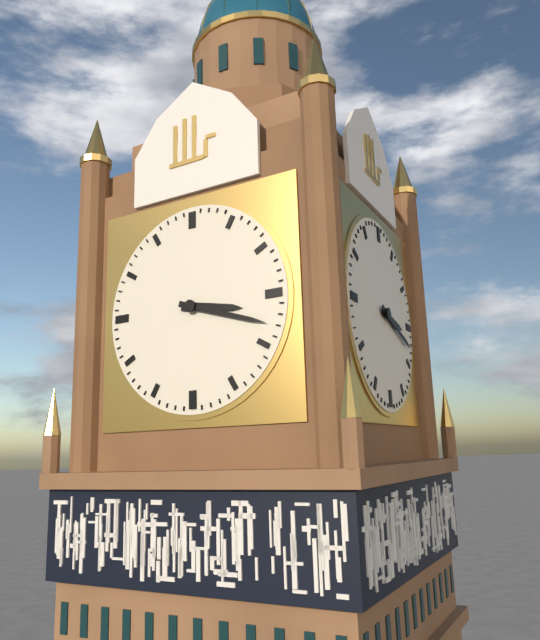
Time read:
3:18
